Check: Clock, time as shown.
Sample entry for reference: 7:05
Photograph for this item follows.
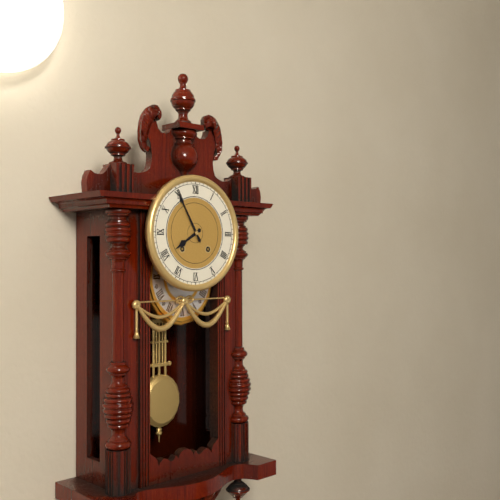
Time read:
7:55
